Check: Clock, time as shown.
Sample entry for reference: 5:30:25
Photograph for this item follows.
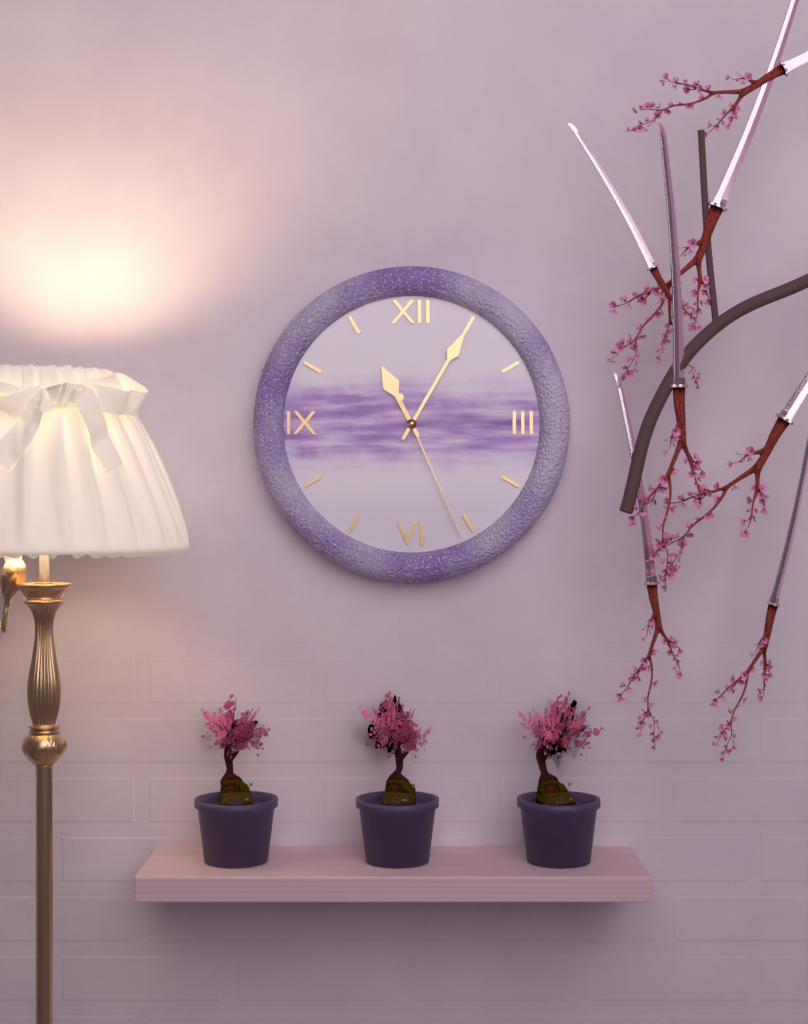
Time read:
11:05:26
